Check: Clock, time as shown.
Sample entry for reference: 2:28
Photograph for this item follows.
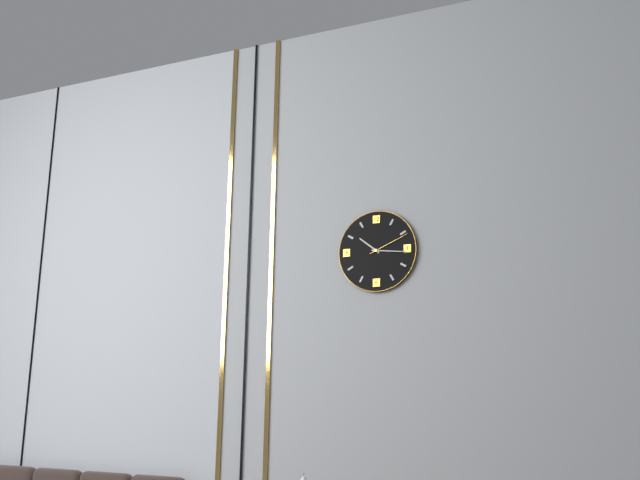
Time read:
10:16
